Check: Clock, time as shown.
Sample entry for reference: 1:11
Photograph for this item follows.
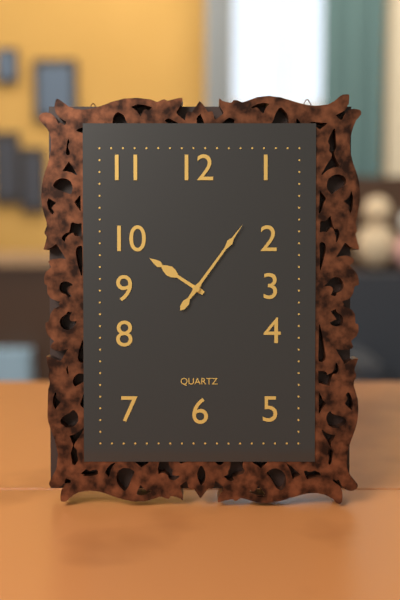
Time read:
10:06
